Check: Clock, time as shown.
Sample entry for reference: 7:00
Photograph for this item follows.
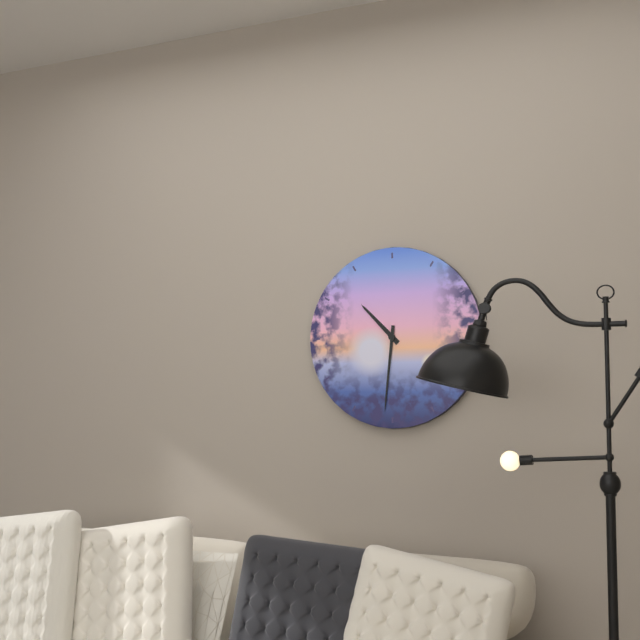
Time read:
10:31
